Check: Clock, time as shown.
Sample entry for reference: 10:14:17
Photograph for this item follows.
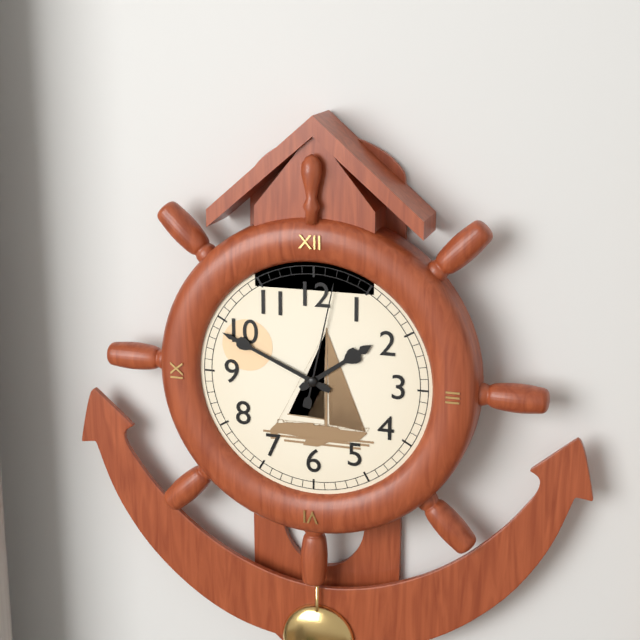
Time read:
1:49:02
